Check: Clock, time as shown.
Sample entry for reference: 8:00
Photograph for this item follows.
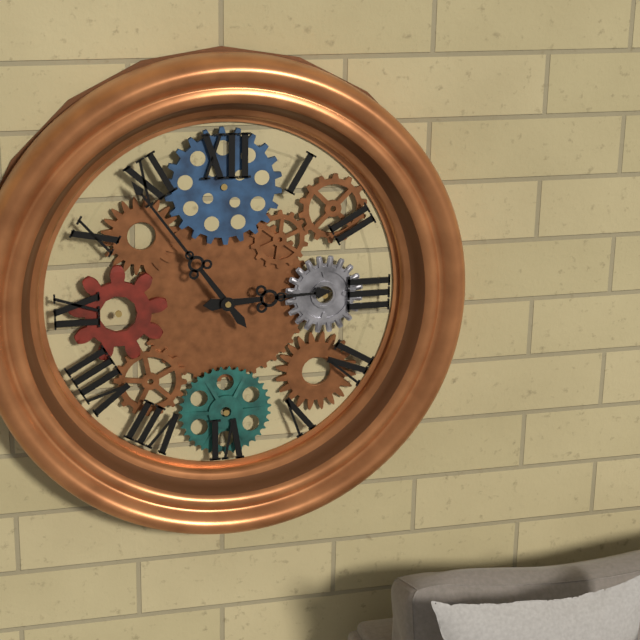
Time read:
2:54
